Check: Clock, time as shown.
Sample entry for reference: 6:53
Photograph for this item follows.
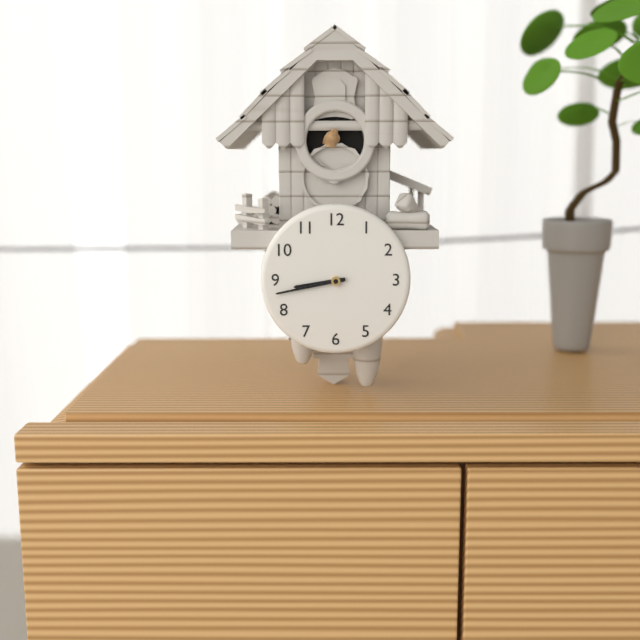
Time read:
8:43
